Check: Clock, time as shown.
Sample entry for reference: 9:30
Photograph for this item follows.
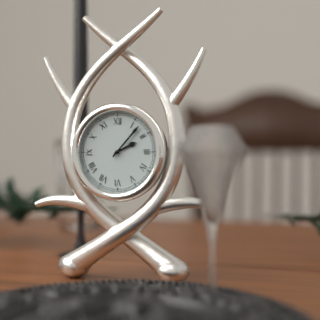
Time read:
2:07
